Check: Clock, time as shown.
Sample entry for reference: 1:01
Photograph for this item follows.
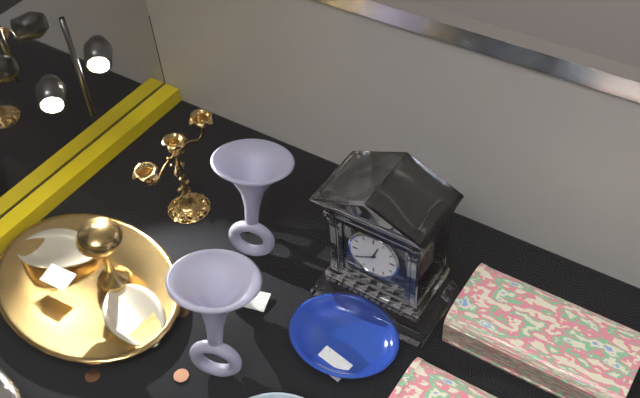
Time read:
12:40
